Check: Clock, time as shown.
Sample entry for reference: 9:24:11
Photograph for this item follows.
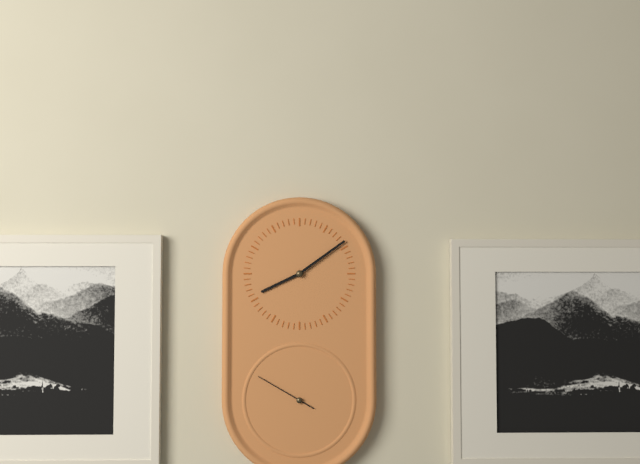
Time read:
8:09:50
